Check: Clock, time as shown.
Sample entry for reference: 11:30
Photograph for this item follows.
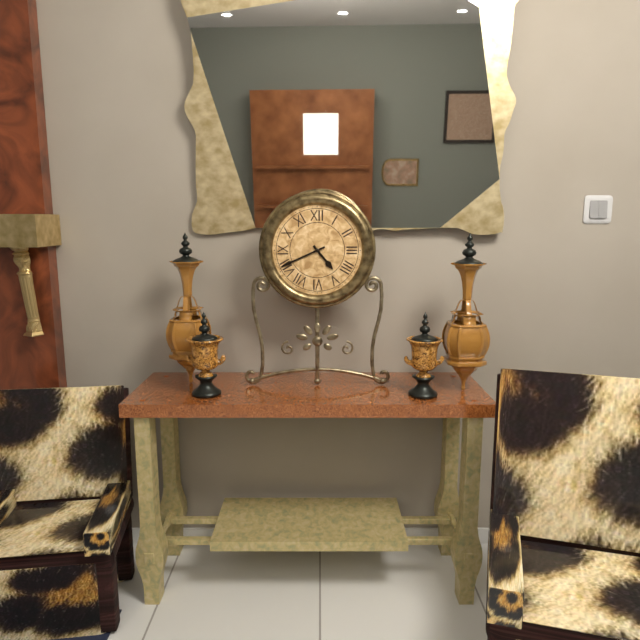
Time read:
4:41
